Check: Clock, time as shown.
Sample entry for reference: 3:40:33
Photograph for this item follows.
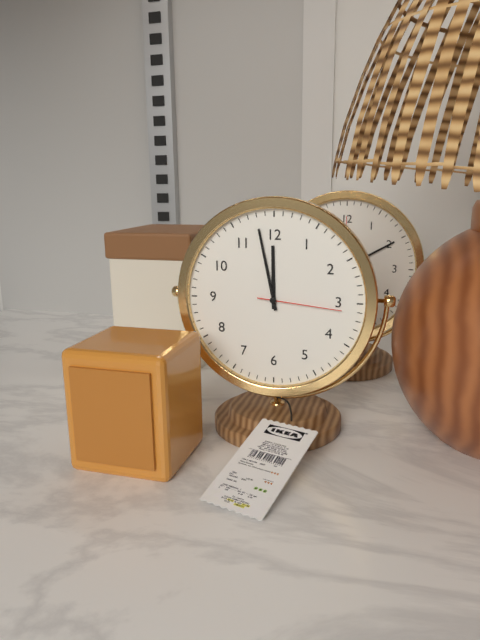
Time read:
11:58:16
